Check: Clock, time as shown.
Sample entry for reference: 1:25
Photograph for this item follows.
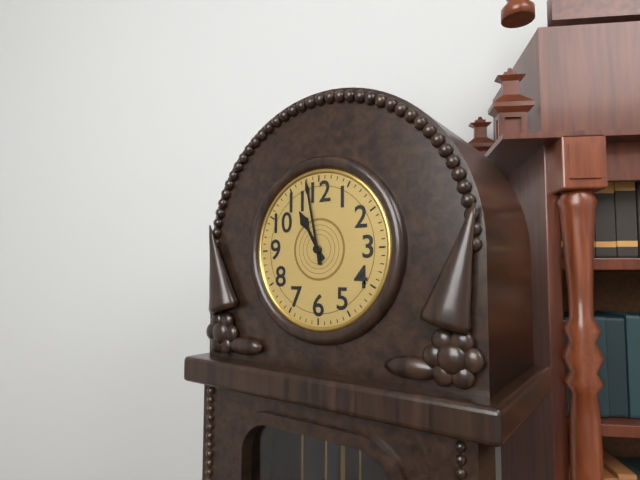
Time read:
10:58
